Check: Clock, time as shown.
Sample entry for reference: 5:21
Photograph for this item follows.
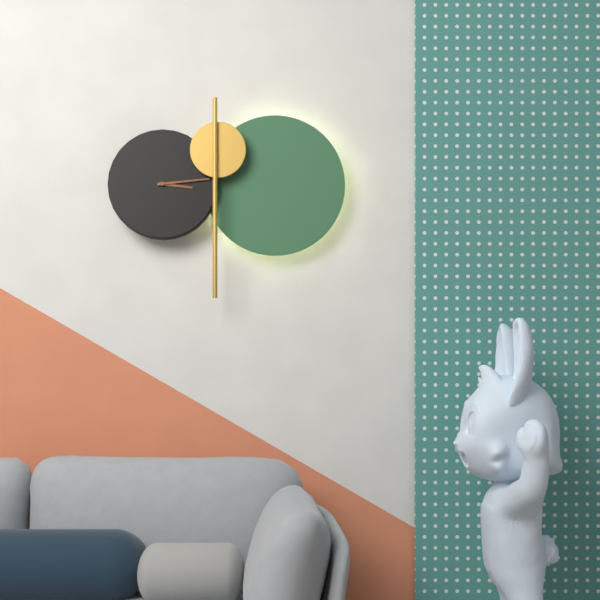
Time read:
3:14
